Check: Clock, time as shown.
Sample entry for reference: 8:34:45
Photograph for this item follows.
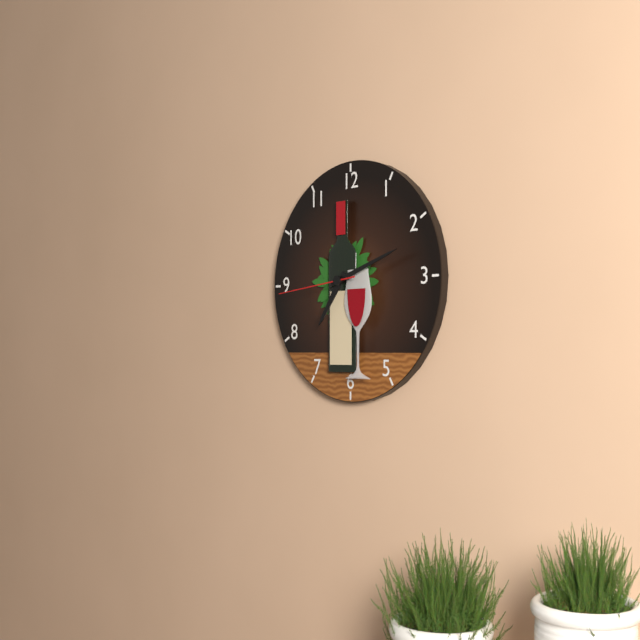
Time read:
7:12:44
